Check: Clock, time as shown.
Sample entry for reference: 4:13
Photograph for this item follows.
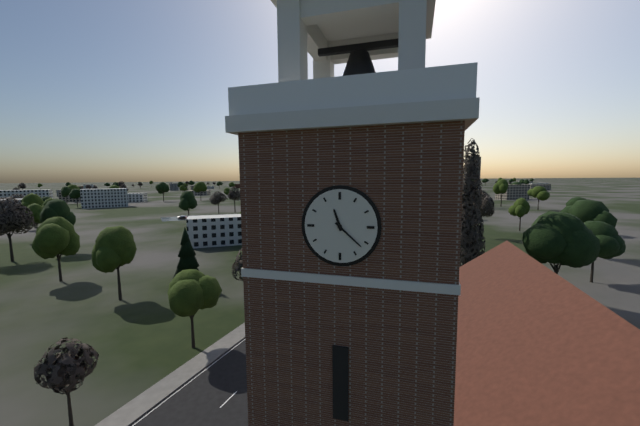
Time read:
11:22
